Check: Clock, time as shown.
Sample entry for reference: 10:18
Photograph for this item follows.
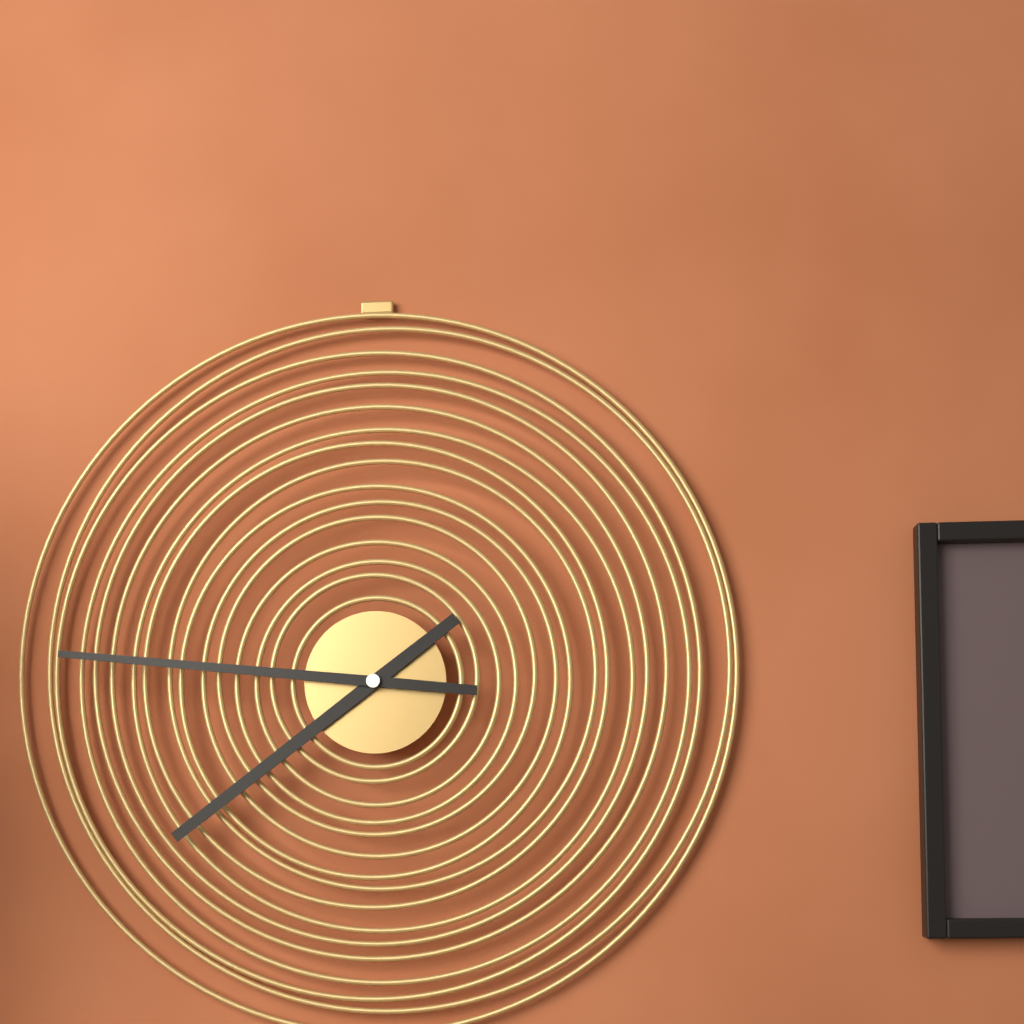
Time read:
7:46
